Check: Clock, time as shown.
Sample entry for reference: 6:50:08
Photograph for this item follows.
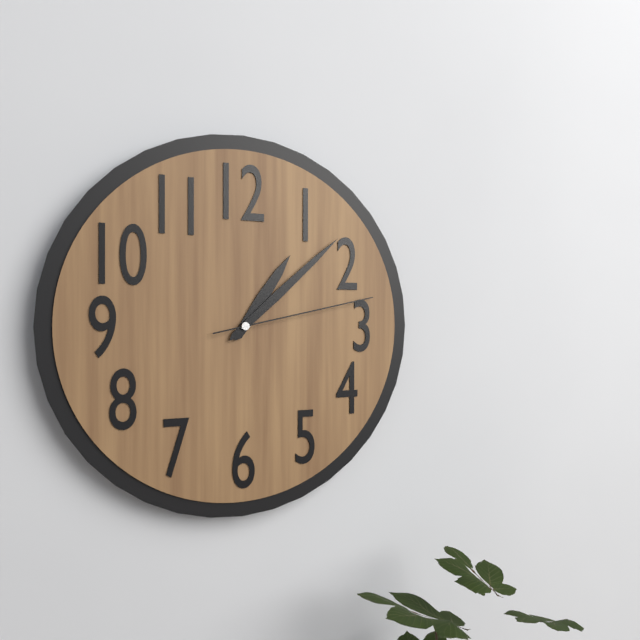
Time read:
1:08:13
